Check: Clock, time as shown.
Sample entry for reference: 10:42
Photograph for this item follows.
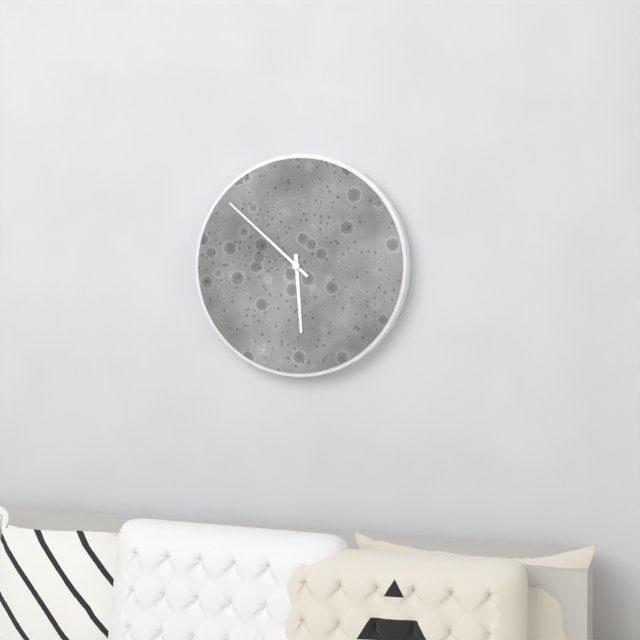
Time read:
5:52
